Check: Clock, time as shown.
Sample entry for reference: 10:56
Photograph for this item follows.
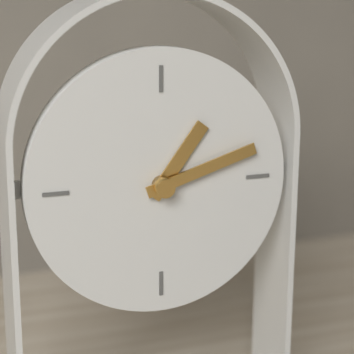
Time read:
1:12
